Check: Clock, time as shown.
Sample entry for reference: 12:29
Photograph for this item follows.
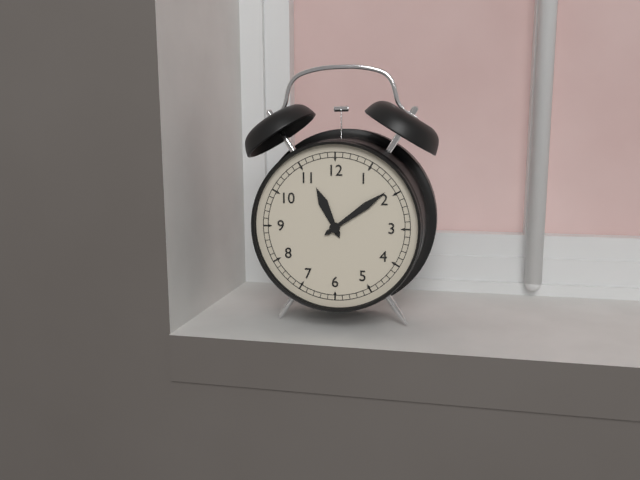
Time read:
11:09
